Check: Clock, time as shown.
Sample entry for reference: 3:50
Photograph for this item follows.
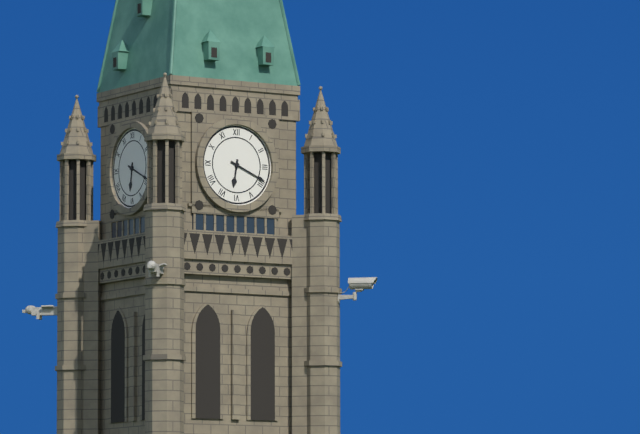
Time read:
6:19
